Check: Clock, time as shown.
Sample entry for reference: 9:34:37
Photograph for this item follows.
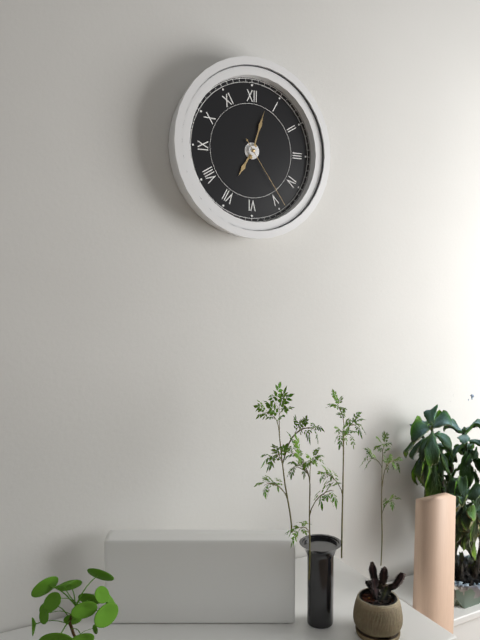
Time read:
7:03:24
